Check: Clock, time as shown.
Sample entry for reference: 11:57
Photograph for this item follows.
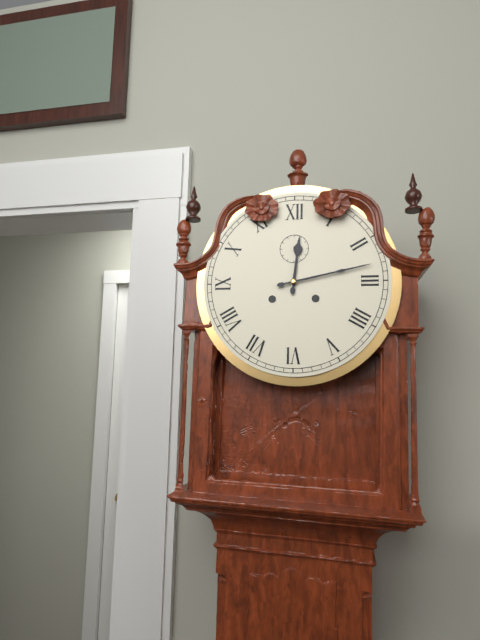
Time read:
12:13
